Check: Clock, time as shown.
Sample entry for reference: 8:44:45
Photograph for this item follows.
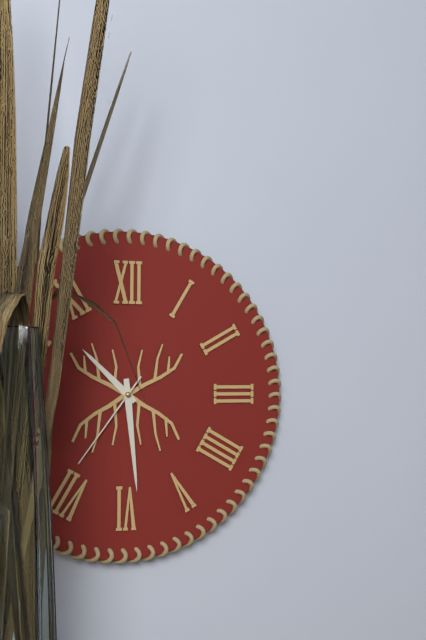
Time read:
10:29:36
